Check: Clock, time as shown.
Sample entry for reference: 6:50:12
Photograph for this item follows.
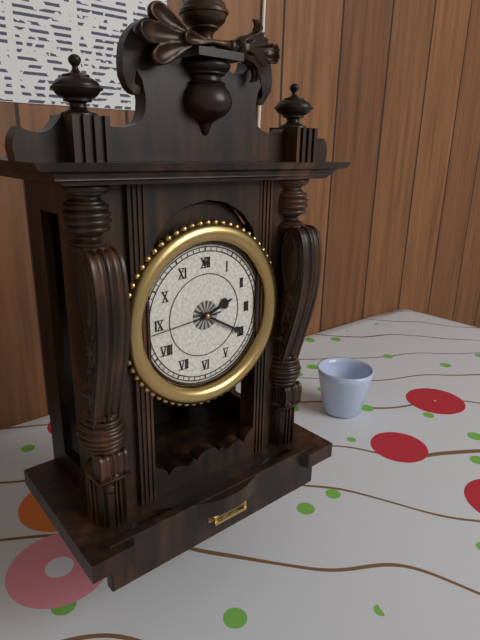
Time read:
2:20:44
